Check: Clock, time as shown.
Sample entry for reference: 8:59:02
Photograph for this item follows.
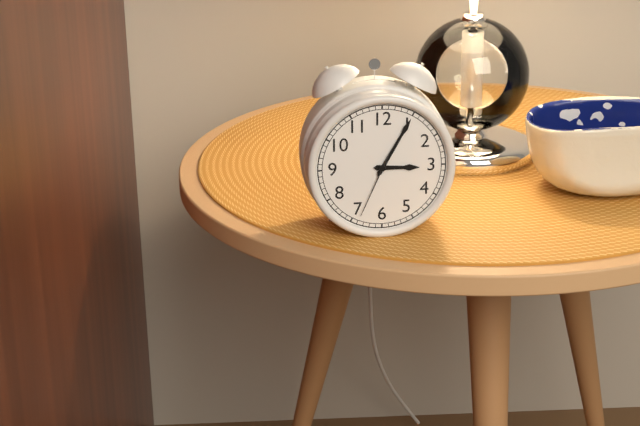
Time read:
3:05:34
